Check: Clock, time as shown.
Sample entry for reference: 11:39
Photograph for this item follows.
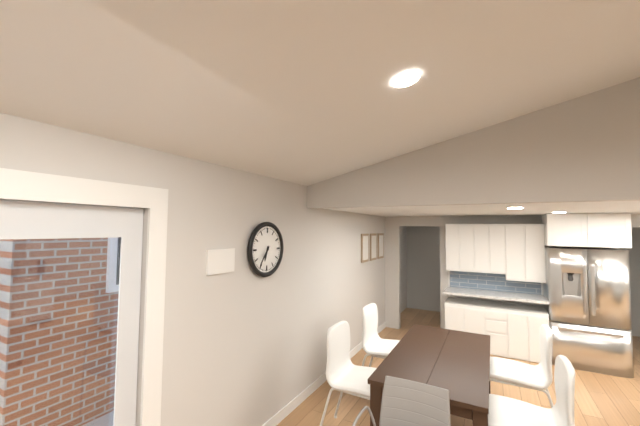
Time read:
6:36
